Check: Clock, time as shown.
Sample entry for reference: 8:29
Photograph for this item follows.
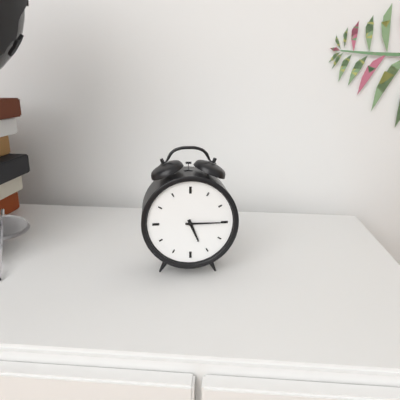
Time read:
5:15
